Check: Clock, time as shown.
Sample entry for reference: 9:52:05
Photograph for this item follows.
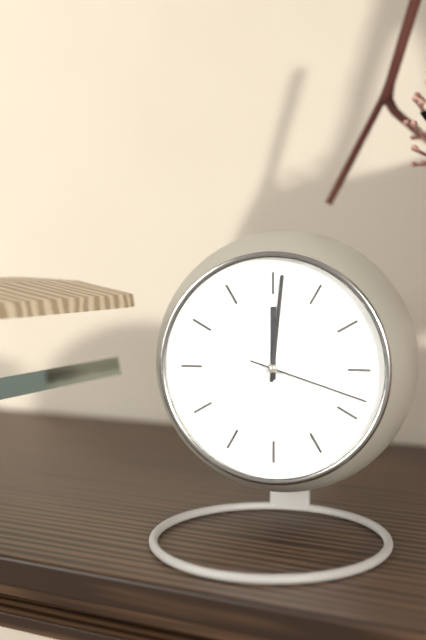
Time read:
12:01:18
